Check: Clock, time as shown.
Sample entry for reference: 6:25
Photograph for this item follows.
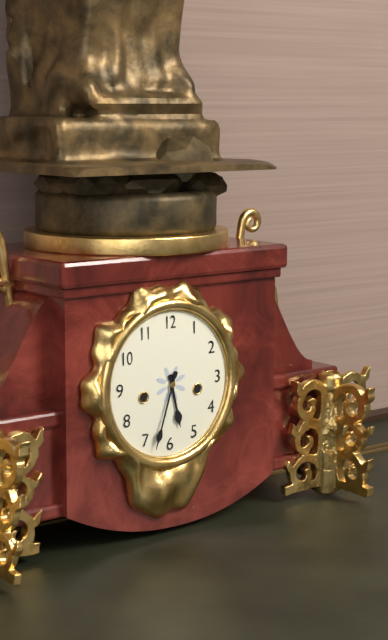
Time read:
5:33
